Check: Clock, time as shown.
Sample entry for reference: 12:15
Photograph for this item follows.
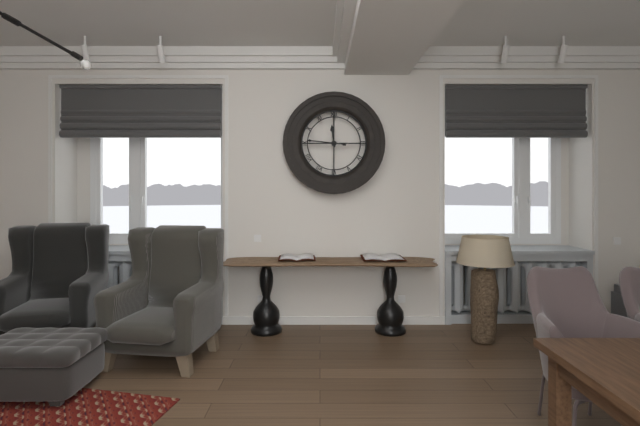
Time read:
11:46
